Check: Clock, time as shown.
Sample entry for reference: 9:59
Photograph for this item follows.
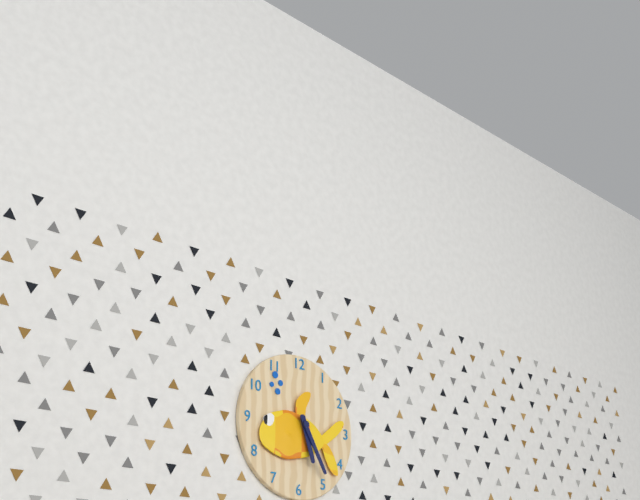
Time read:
5:25
